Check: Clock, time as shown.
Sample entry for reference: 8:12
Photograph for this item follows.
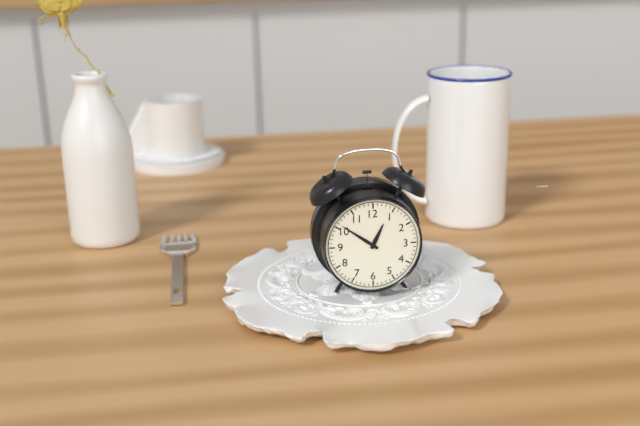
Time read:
12:51
